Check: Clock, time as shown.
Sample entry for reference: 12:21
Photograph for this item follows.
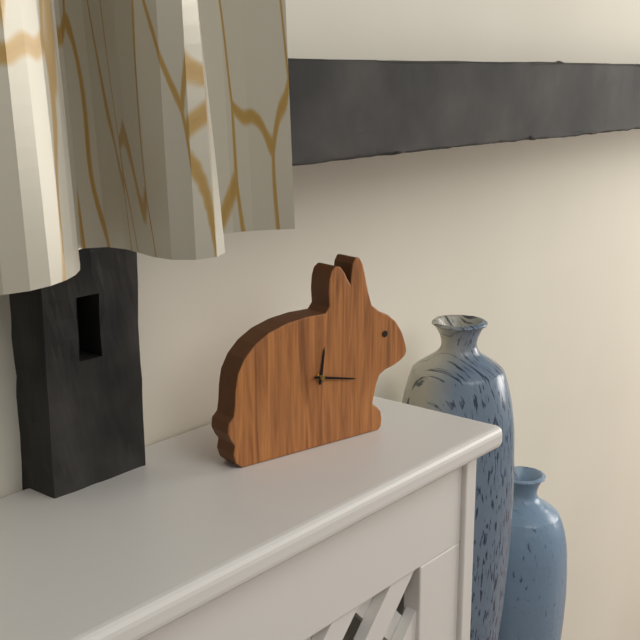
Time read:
12:17
